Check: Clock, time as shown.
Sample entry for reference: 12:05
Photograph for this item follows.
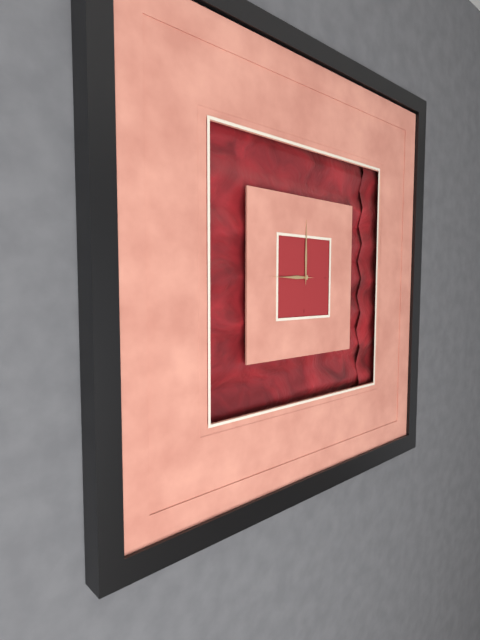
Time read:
9:00
